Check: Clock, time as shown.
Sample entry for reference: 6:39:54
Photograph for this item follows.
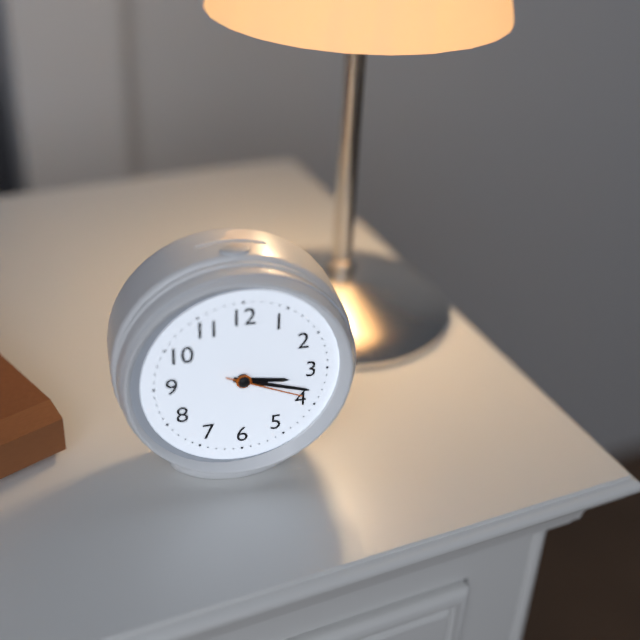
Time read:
3:18:19
